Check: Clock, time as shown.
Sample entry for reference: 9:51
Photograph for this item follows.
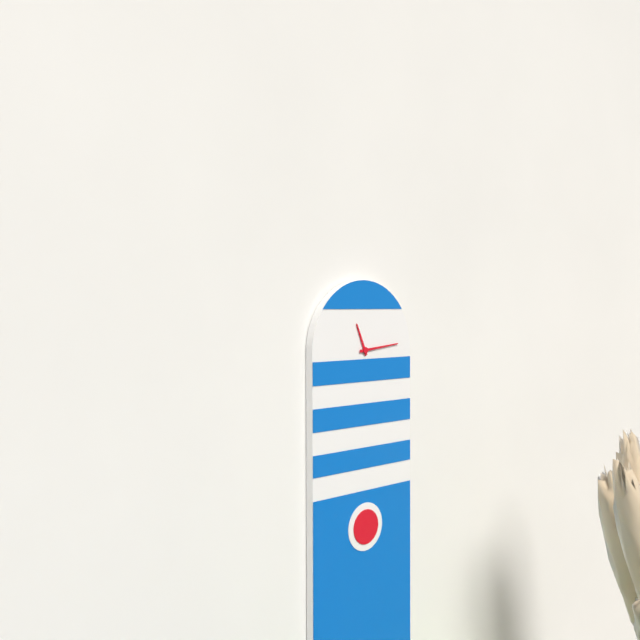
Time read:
11:14
